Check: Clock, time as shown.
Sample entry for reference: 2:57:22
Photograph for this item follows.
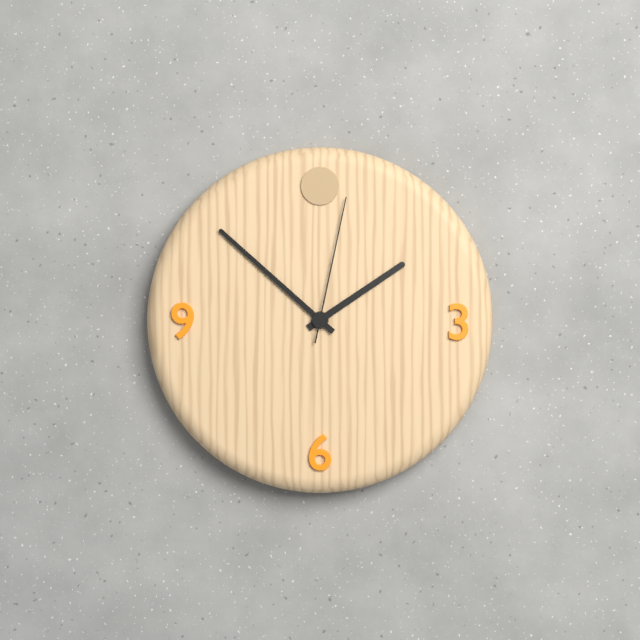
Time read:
1:52:02
